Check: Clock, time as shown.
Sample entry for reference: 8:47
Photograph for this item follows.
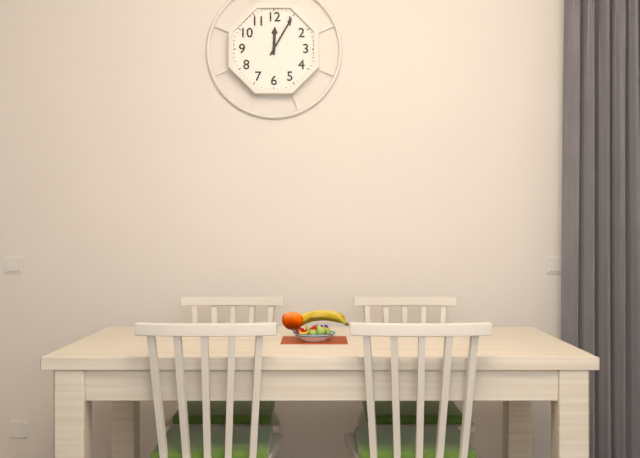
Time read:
12:05
